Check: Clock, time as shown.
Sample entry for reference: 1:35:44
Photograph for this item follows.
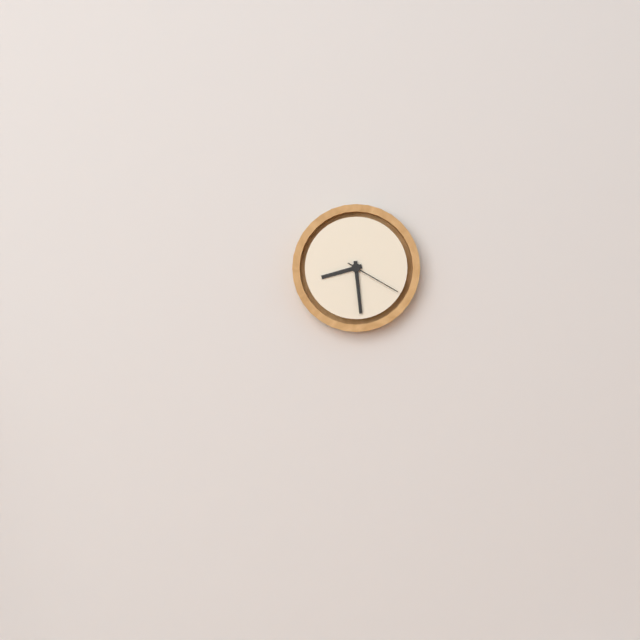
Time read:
8:29:20
